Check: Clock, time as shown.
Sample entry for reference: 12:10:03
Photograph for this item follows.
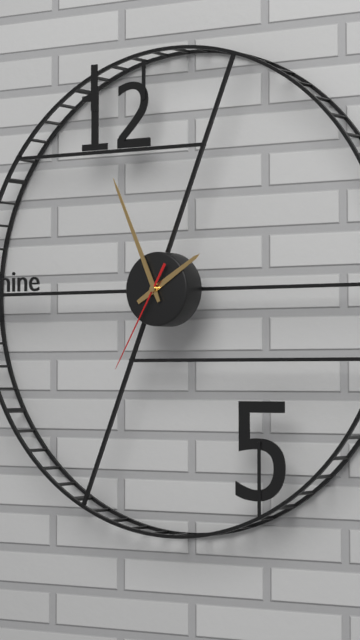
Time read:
1:56:35
